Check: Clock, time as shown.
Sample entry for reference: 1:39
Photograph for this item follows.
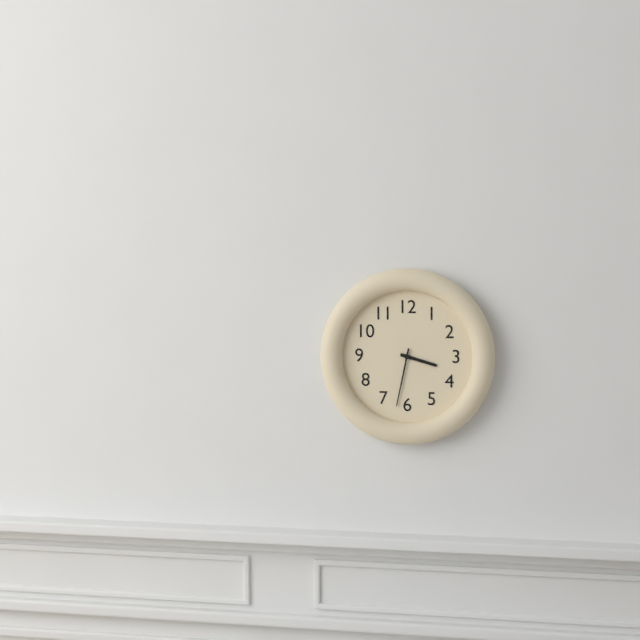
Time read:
3:32
